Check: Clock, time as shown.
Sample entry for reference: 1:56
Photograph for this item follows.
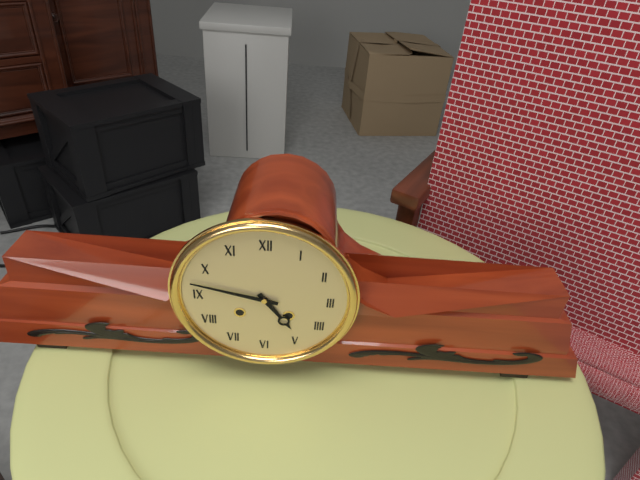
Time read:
4:47
